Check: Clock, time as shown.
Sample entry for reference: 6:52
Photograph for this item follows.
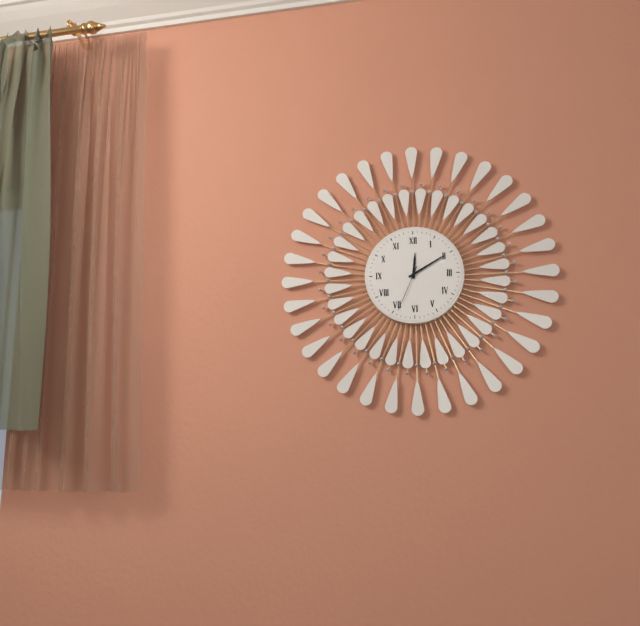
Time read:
12:10
